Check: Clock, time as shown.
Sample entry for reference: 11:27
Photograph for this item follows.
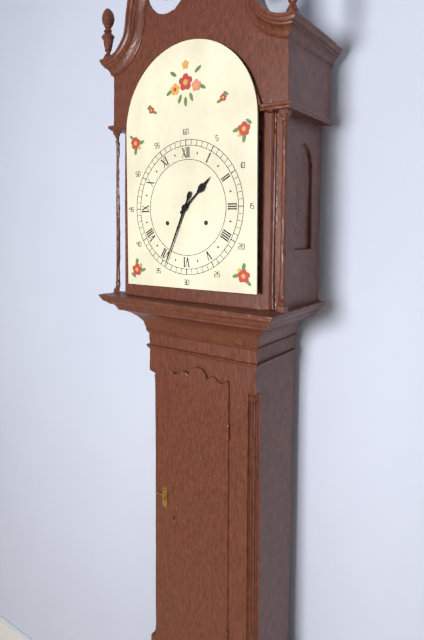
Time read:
1:34
